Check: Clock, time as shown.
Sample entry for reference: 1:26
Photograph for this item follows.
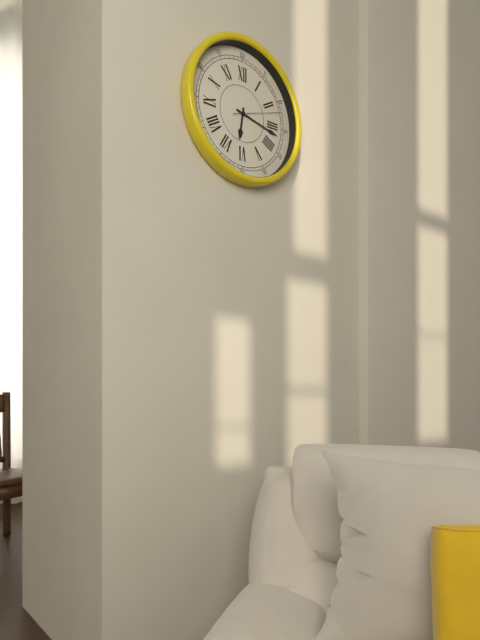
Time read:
6:17
